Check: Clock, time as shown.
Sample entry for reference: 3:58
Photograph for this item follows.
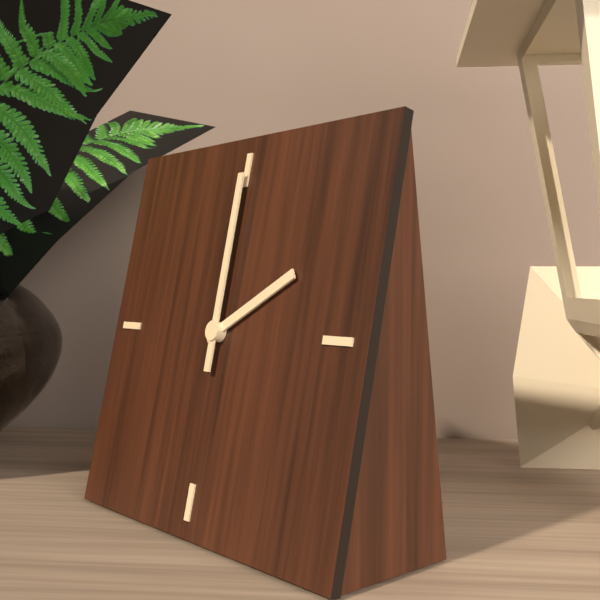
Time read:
2:00
